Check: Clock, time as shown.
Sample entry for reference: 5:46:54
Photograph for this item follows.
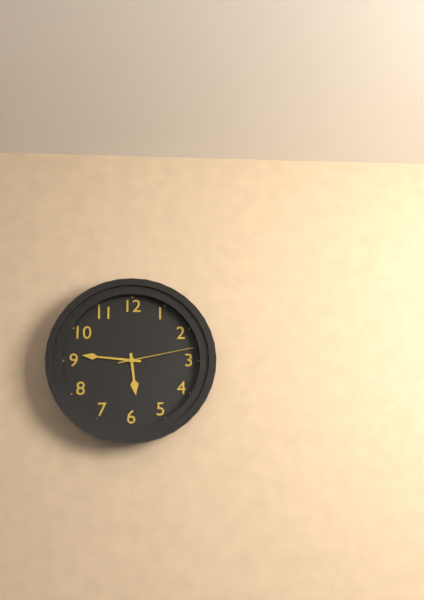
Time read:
5:46:13
